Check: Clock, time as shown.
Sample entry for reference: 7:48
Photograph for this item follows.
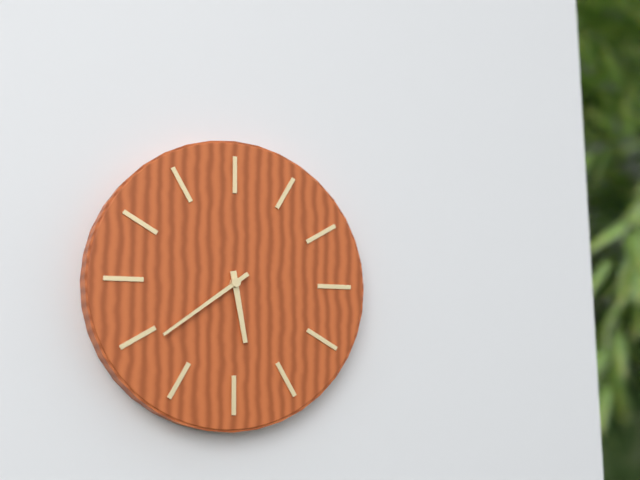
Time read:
5:39
